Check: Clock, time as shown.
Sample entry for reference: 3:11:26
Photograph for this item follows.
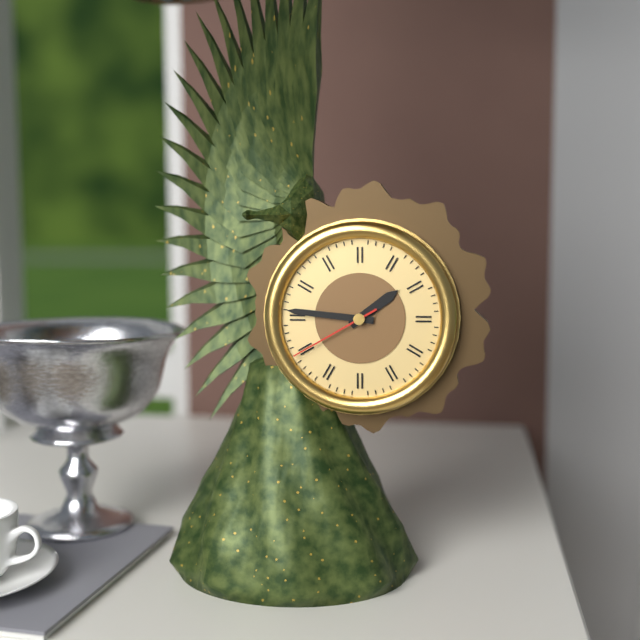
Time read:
1:46:40
